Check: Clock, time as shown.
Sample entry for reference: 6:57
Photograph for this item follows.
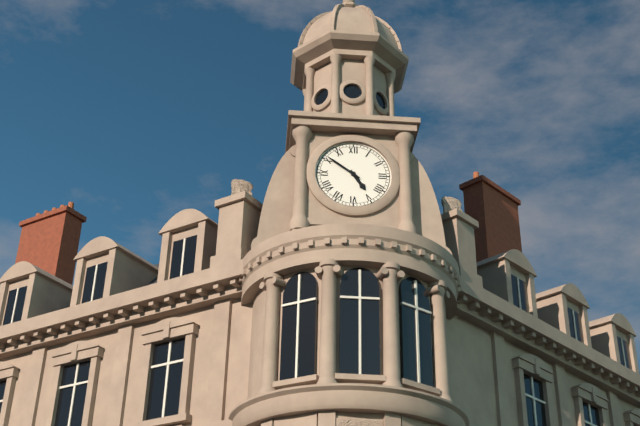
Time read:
4:51
